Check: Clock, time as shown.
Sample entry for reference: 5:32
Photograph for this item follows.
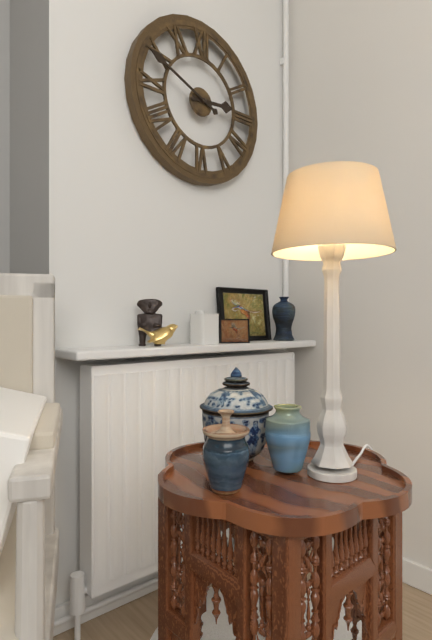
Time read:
2:49
